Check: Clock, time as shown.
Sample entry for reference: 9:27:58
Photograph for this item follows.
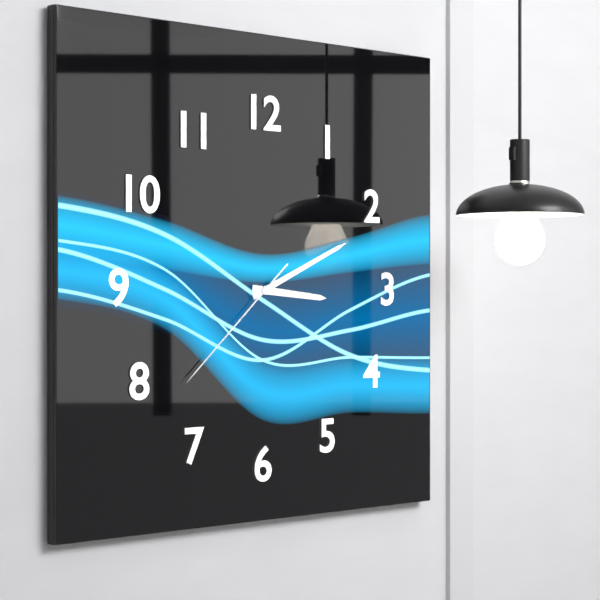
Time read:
3:11:38
